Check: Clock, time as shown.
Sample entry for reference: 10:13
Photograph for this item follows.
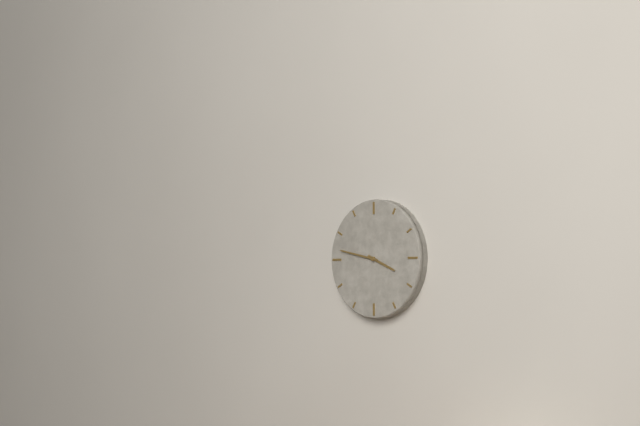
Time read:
3:47
